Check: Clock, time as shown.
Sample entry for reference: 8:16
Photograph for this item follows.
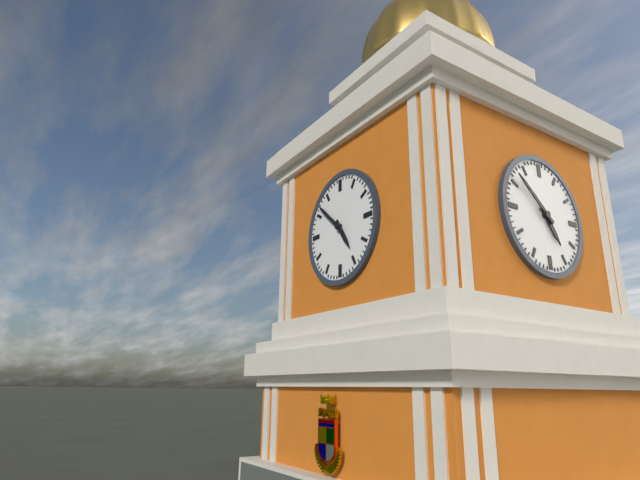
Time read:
4:52
